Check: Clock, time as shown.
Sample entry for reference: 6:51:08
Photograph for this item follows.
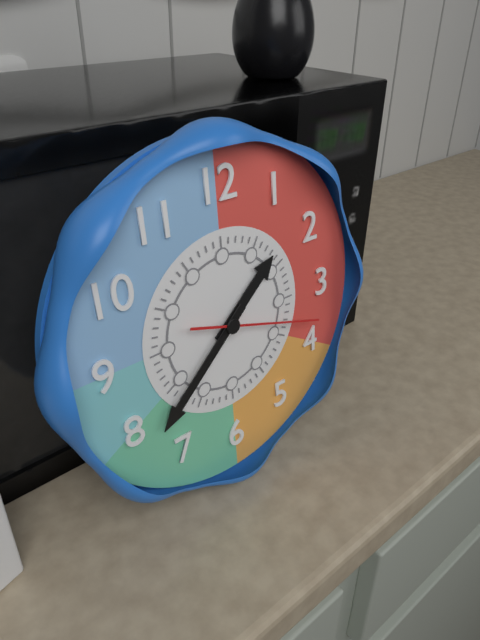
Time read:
1:38:18
